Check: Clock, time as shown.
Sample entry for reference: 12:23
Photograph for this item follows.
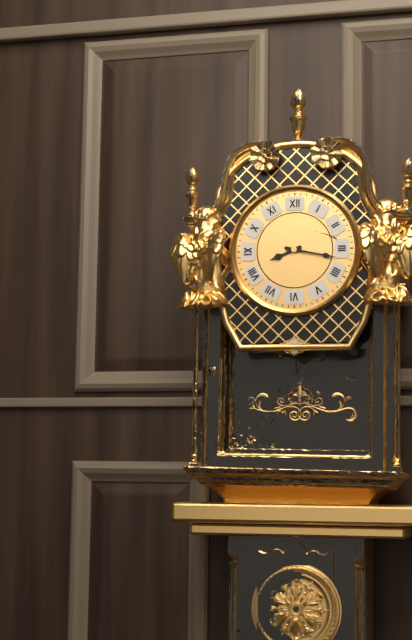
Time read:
8:17
